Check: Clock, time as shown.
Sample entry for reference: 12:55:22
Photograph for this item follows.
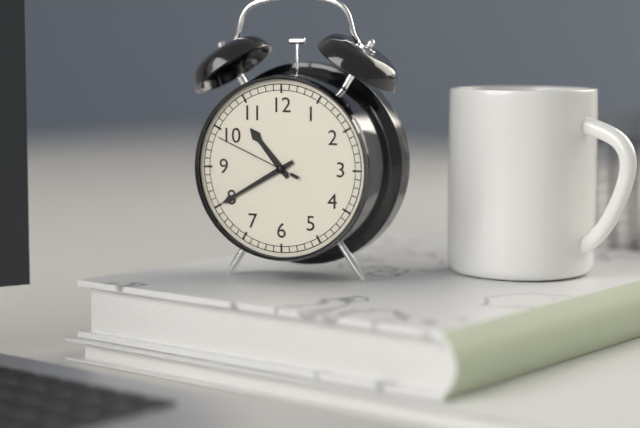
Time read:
10:40:49
